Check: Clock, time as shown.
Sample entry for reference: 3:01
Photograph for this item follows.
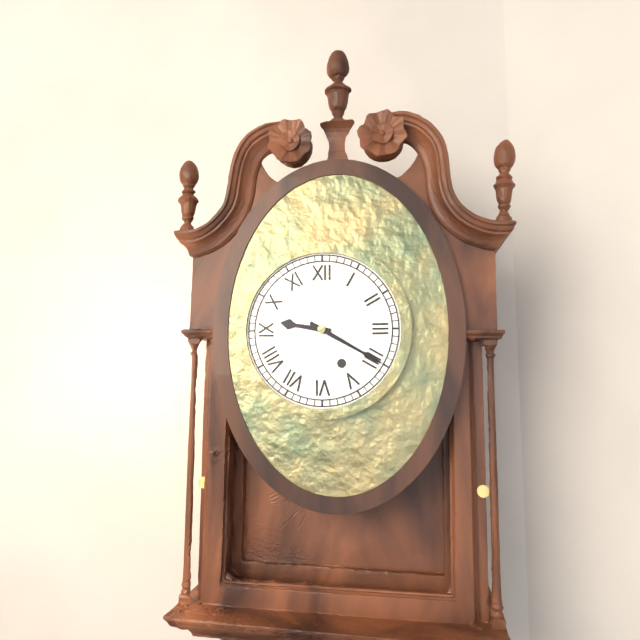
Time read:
9:20
